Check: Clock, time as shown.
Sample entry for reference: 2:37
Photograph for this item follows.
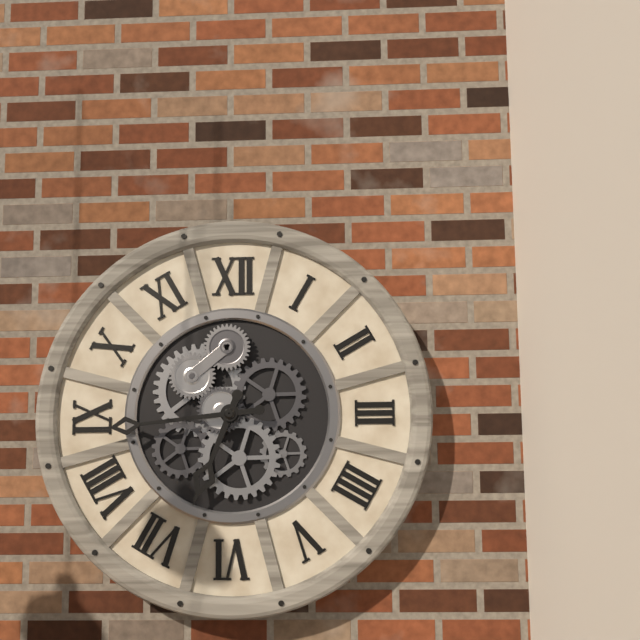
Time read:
6:44
